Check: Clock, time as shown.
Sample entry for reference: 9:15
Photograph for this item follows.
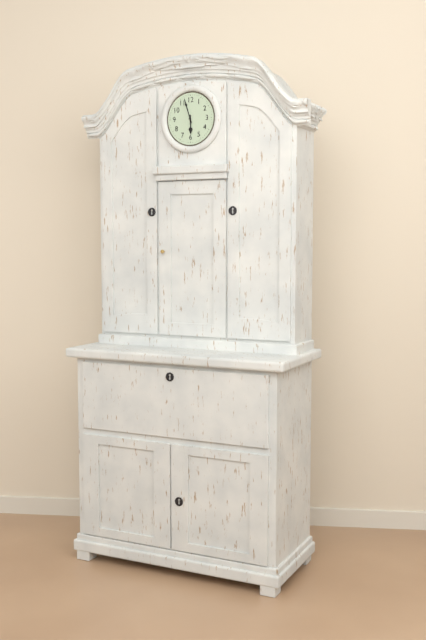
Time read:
5:57
